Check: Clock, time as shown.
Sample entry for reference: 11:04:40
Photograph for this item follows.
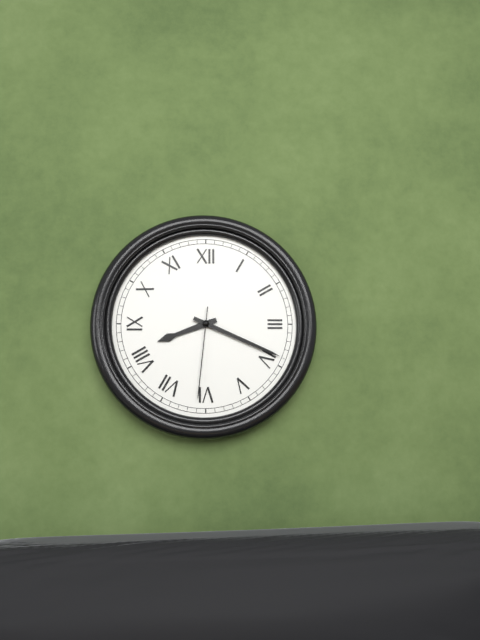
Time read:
8:19:31
